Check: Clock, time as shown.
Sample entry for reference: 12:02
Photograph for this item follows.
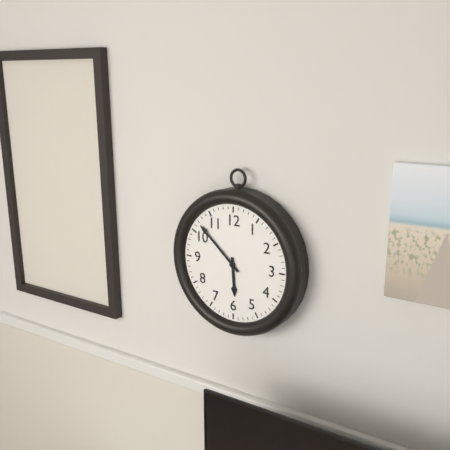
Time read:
5:52
